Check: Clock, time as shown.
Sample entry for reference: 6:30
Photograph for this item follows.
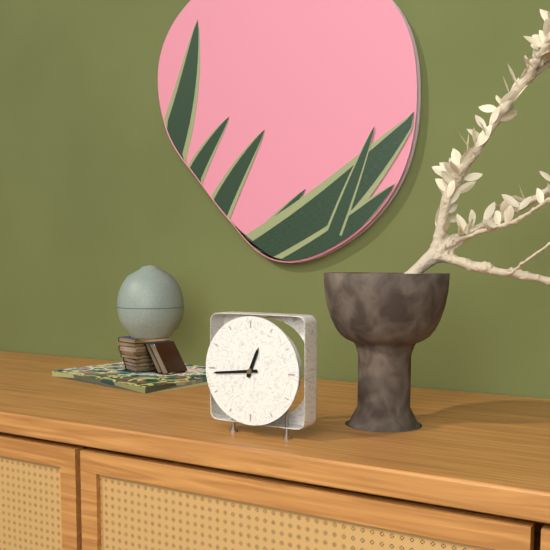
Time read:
12:44
